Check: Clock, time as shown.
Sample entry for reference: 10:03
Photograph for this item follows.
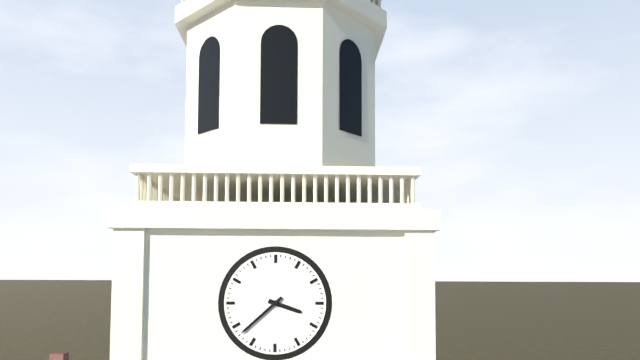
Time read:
3:38
